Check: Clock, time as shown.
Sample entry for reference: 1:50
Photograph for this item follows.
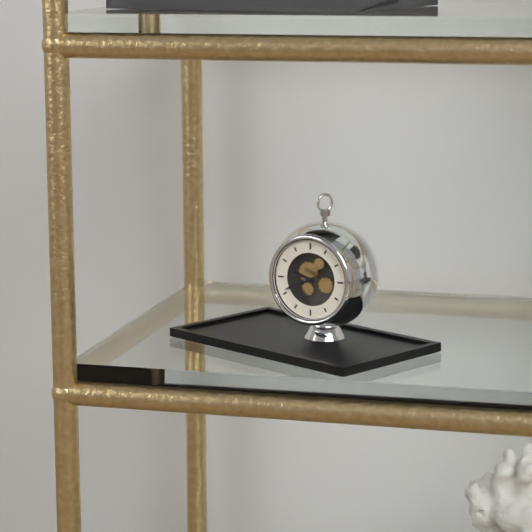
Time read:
9:41
